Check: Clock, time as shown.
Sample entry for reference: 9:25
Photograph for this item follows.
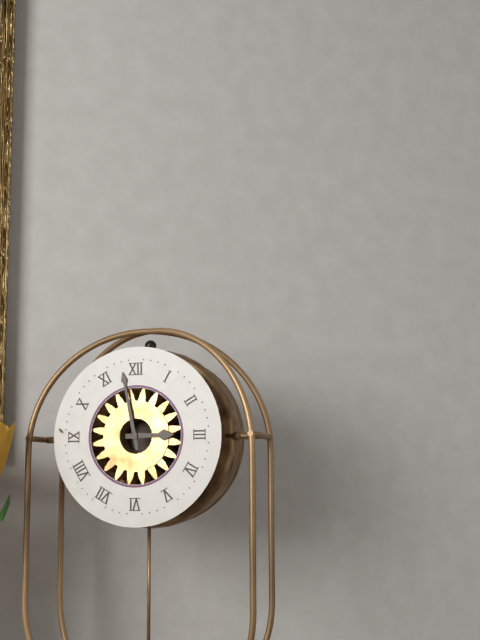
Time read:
2:58
